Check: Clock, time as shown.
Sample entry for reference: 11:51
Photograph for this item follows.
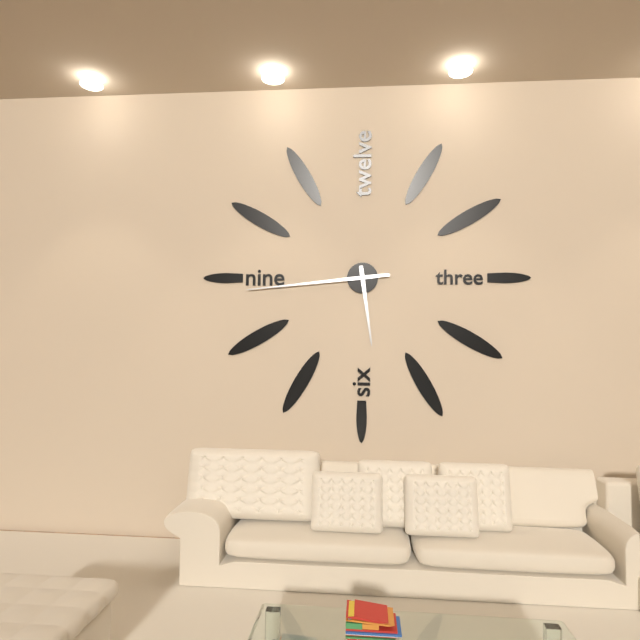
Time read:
5:44
